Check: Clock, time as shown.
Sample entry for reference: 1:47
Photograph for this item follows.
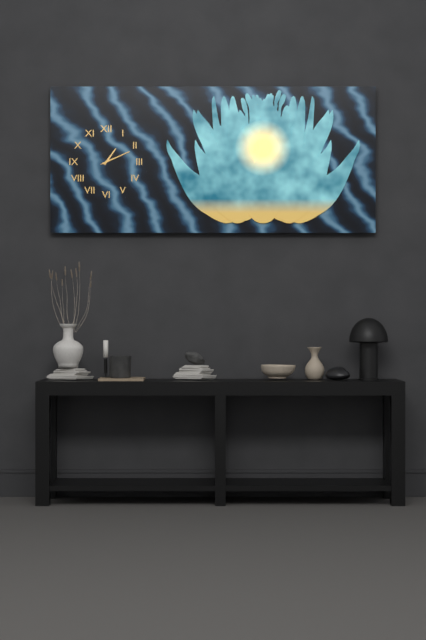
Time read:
1:11
